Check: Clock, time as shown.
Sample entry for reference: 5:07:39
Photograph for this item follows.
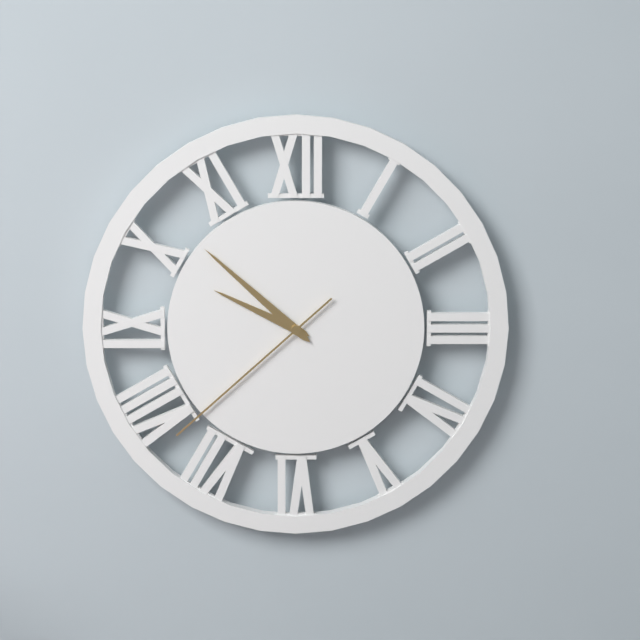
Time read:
9:52:38
